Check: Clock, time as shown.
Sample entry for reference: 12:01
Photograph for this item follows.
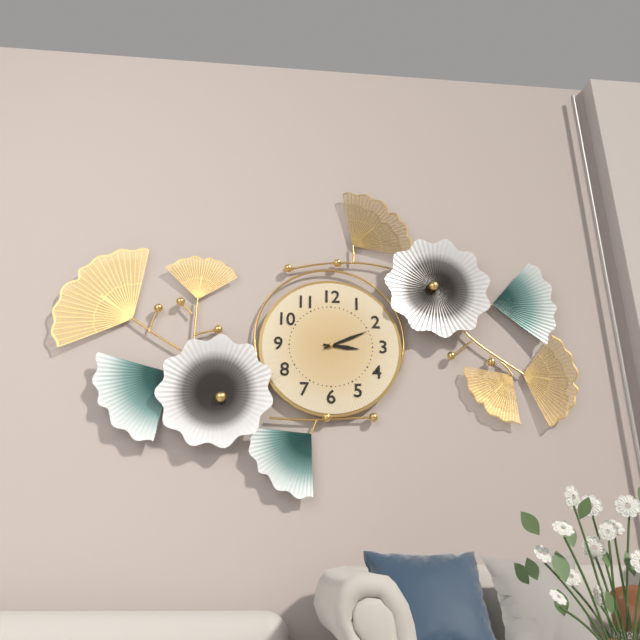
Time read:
3:11
